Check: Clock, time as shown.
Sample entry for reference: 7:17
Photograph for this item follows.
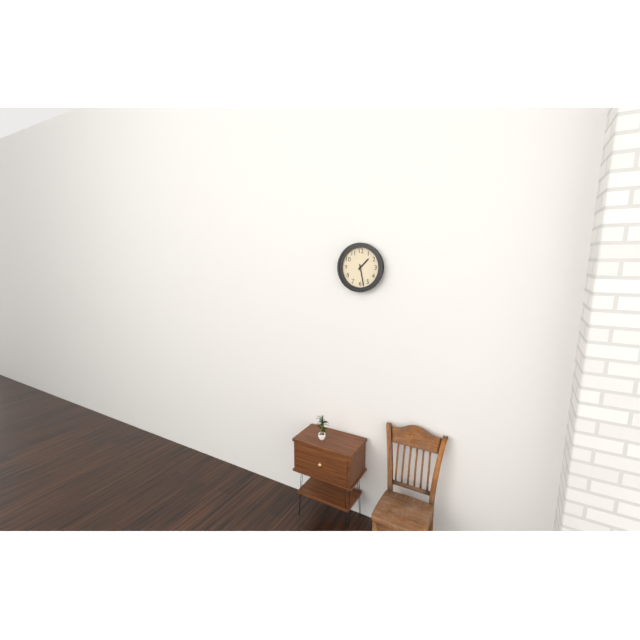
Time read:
1:28
